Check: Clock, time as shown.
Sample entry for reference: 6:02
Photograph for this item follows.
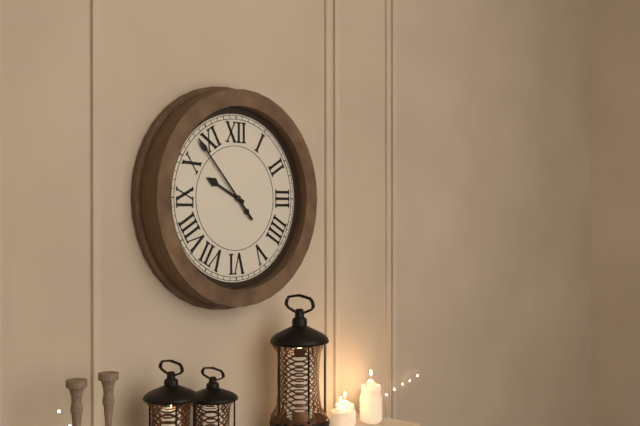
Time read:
9:53
